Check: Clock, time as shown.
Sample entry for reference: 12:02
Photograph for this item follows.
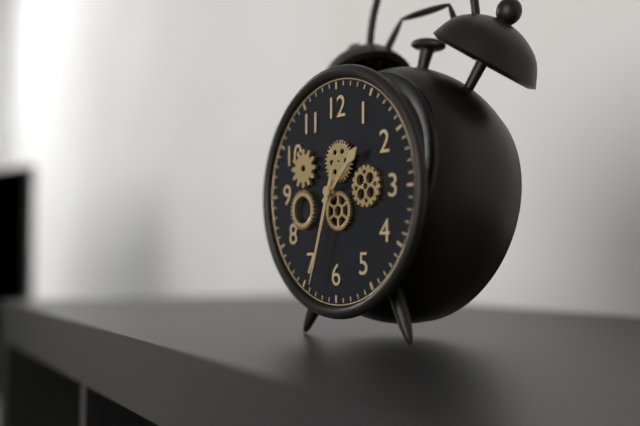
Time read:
1:33
